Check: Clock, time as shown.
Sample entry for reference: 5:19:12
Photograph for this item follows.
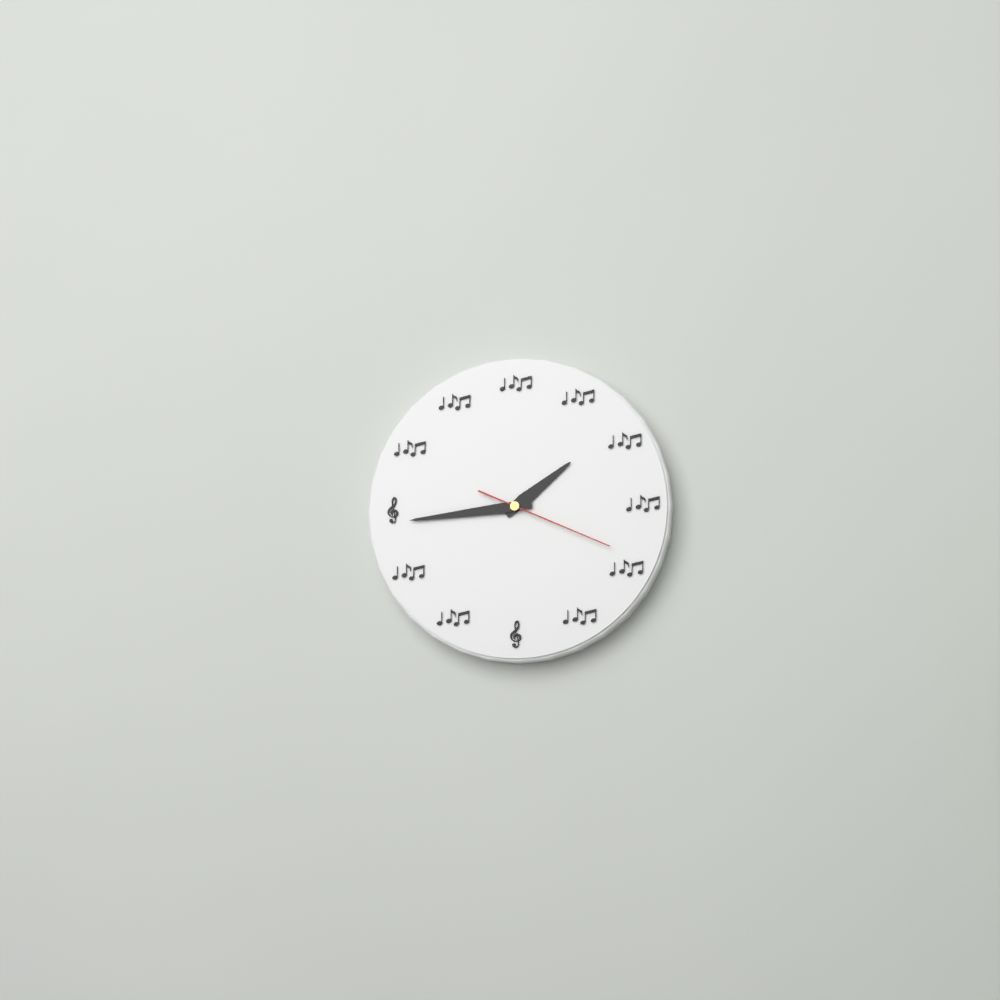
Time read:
1:44:19
